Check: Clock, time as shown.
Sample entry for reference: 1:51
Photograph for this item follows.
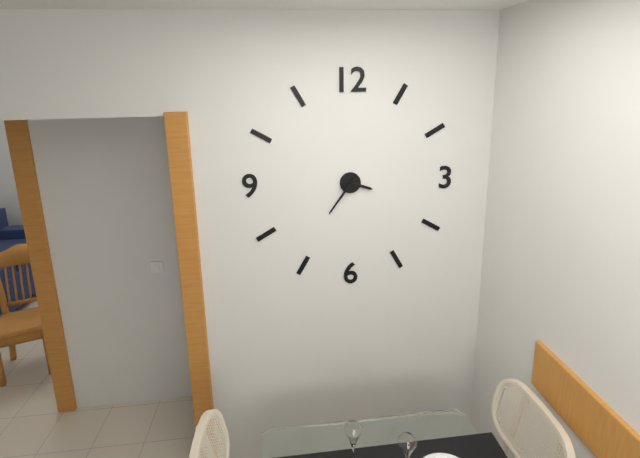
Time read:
3:36
